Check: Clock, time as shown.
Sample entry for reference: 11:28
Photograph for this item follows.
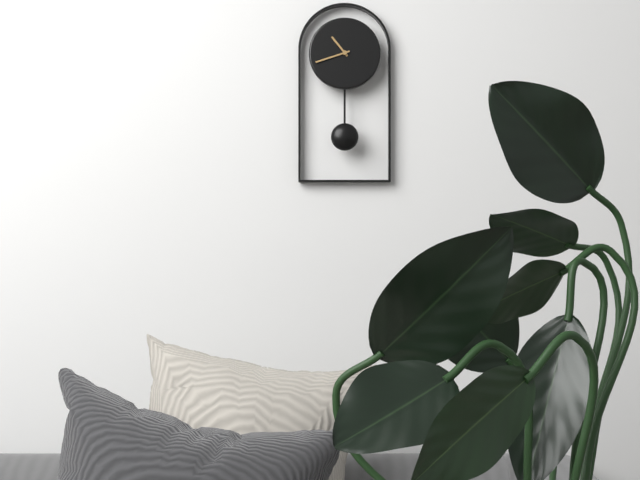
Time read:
10:42
